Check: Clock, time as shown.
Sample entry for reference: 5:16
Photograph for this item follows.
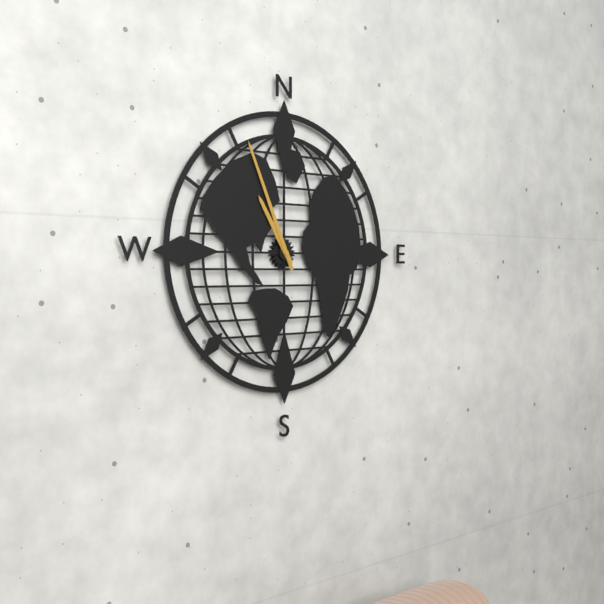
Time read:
10:56
